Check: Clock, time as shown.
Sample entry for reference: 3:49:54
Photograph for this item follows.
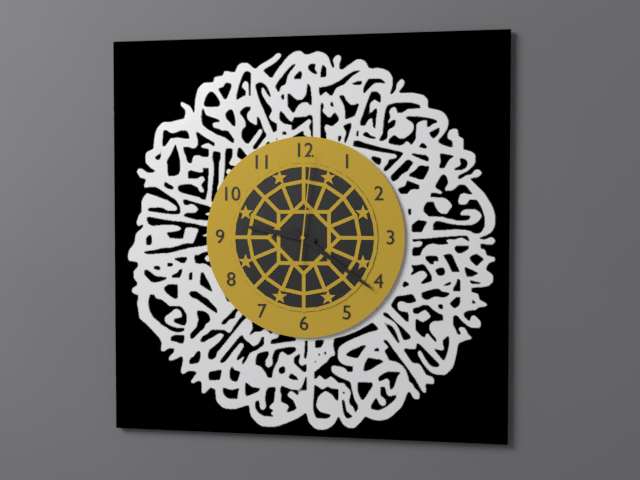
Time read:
9:21:01
